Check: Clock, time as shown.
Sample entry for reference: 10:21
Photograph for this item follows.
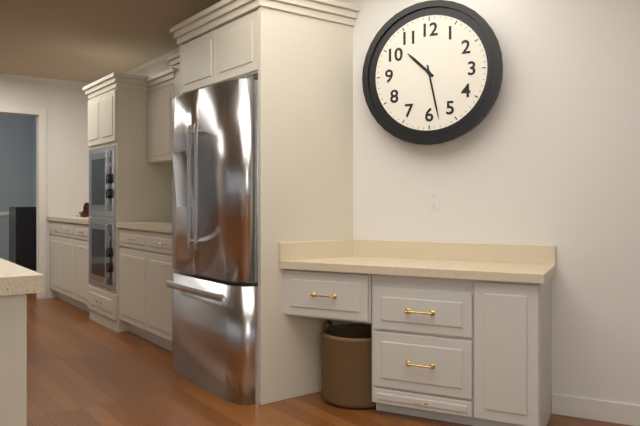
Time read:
10:28
